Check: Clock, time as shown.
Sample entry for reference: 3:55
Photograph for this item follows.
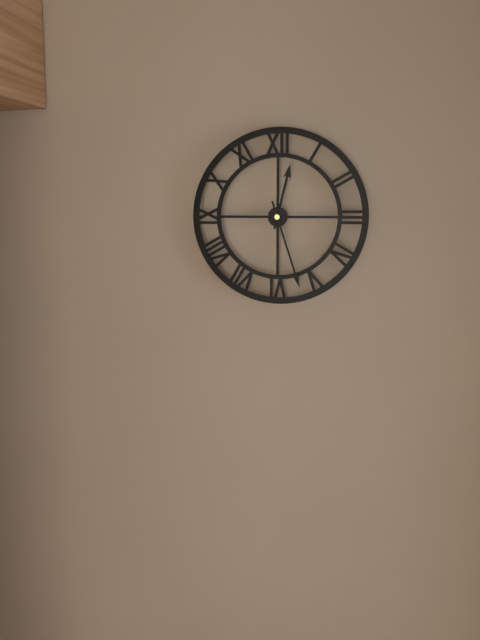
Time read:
12:27
